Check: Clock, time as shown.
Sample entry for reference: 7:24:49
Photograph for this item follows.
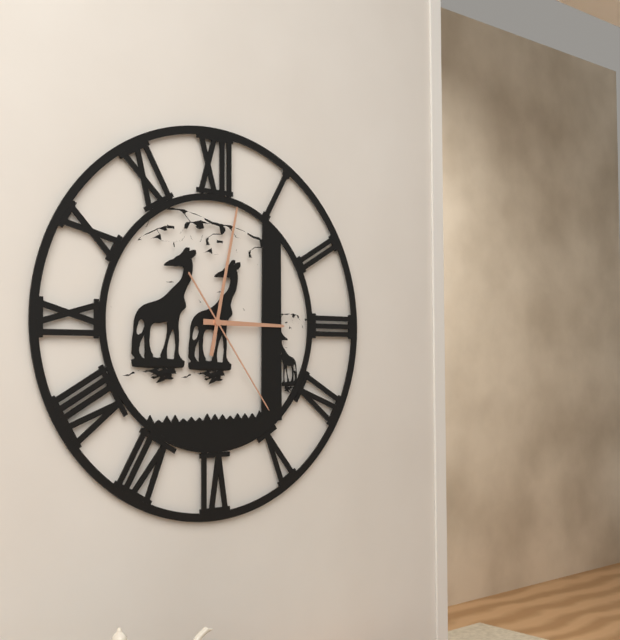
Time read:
3:02:24
